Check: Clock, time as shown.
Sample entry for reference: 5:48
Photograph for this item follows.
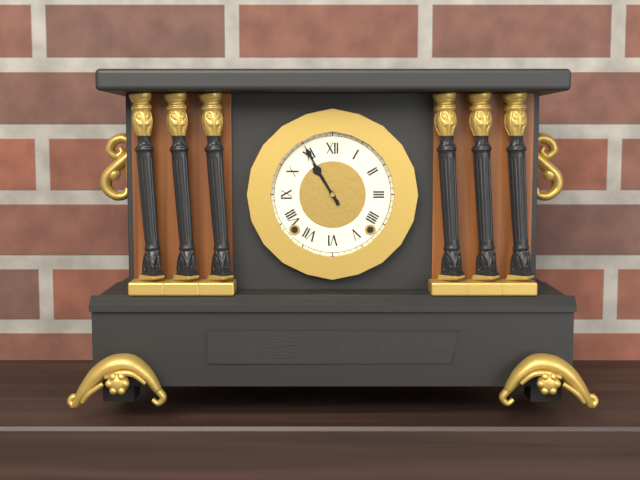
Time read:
10:55
